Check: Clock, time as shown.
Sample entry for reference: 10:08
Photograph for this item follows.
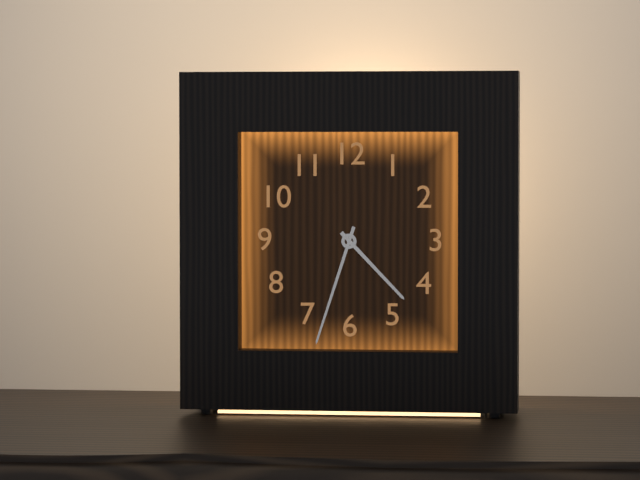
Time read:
4:33
